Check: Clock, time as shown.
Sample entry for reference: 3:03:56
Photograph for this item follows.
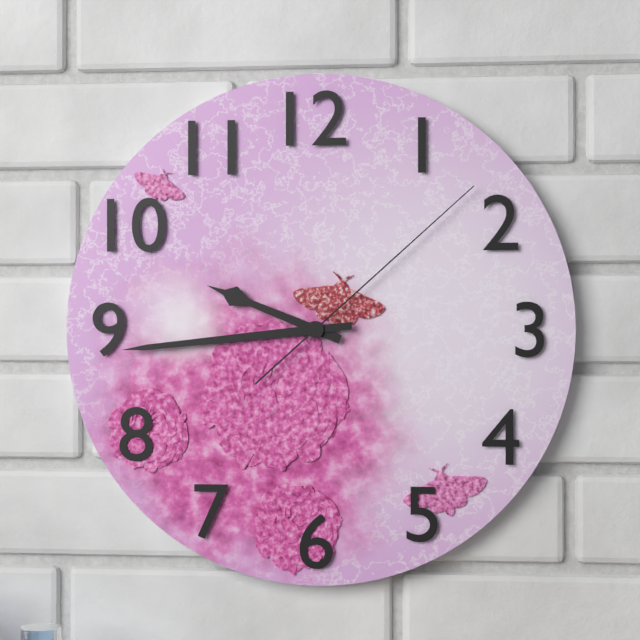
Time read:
9:44:08
